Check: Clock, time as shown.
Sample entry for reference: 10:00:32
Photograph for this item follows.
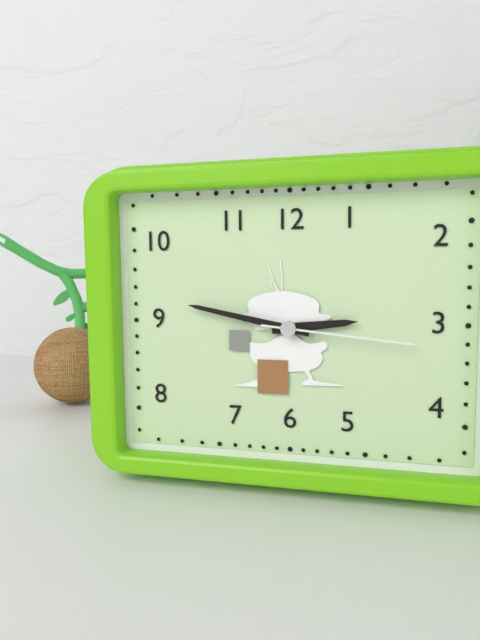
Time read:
2:47:16
